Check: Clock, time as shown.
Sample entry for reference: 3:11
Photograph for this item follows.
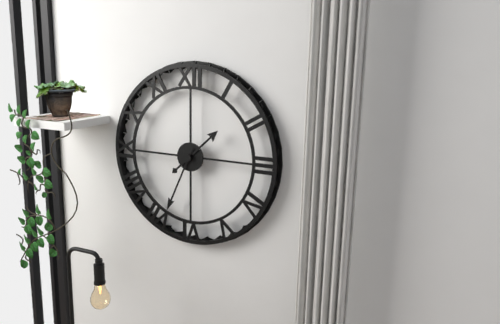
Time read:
1:34
